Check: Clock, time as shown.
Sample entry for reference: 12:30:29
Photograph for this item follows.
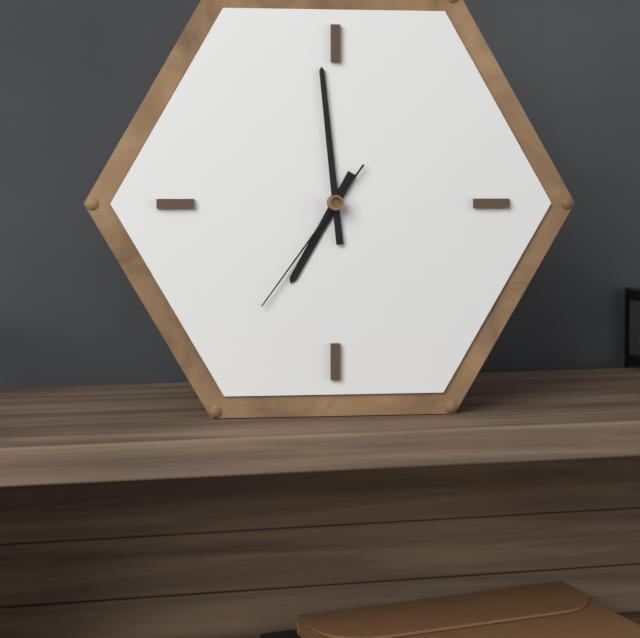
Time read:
6:59:36
